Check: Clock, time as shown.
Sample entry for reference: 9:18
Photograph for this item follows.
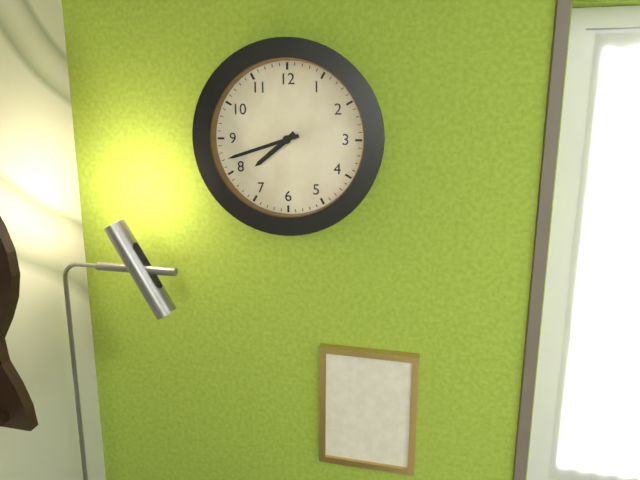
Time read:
7:42
